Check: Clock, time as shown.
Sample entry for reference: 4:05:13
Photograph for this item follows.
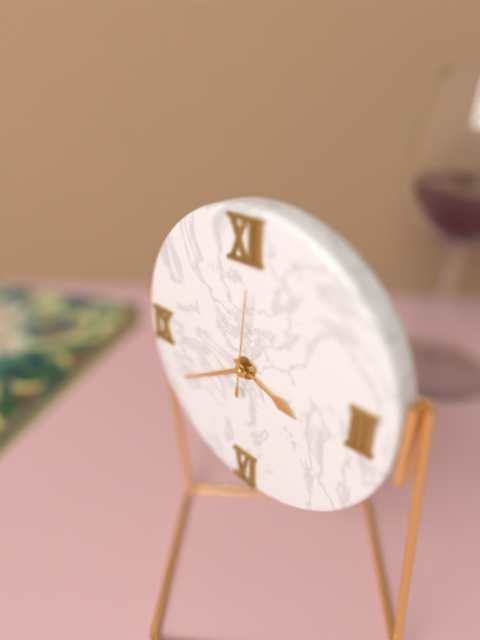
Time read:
3:40:01
